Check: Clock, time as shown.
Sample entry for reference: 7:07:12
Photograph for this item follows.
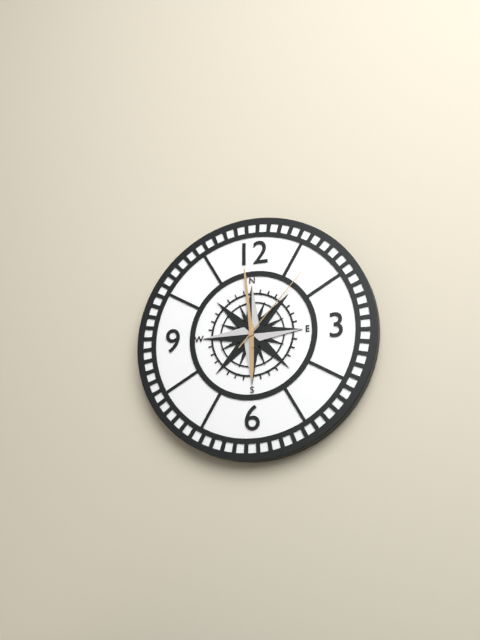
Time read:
5:59:07
